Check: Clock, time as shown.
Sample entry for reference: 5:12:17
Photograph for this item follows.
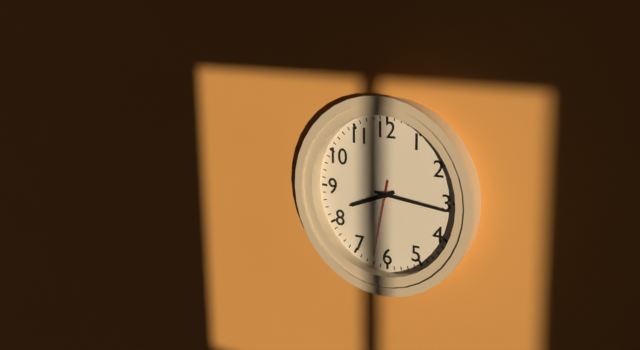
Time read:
8:16:32
